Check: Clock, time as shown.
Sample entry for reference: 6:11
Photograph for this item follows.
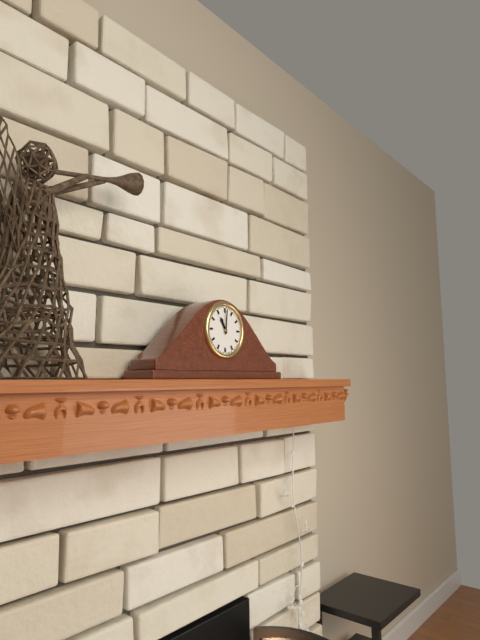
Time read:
11:01
